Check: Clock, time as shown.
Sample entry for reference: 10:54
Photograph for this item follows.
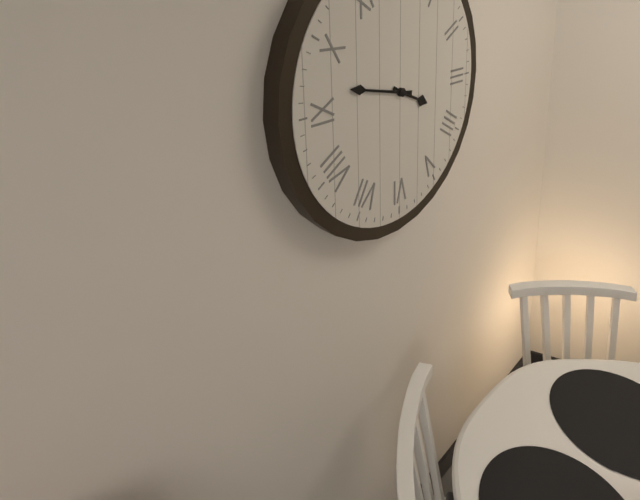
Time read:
3:47
